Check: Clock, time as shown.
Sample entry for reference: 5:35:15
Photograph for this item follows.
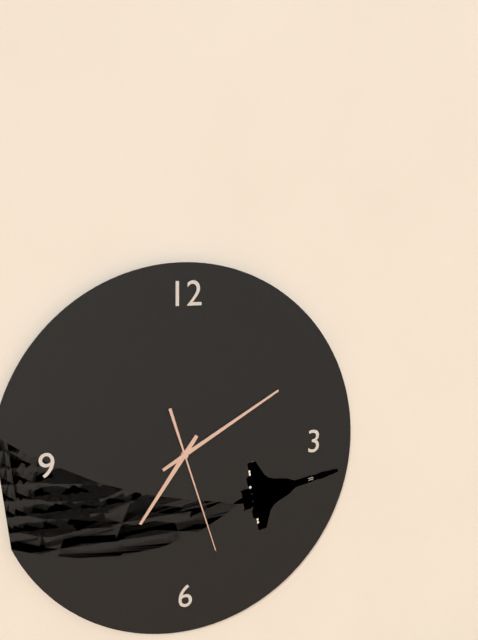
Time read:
7:10:27
